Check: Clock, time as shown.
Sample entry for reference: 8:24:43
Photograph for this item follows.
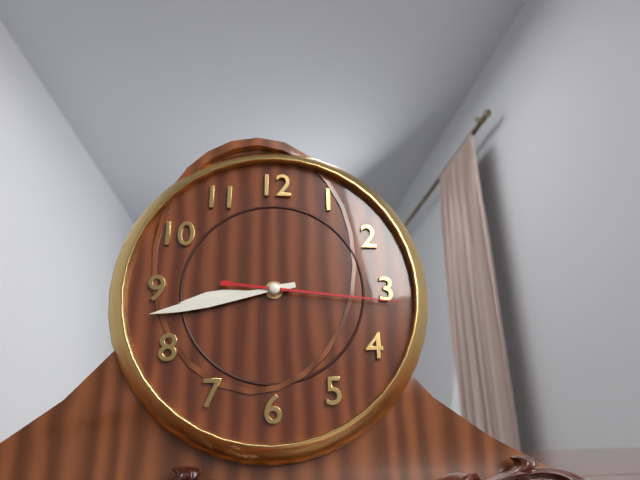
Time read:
8:43:16
